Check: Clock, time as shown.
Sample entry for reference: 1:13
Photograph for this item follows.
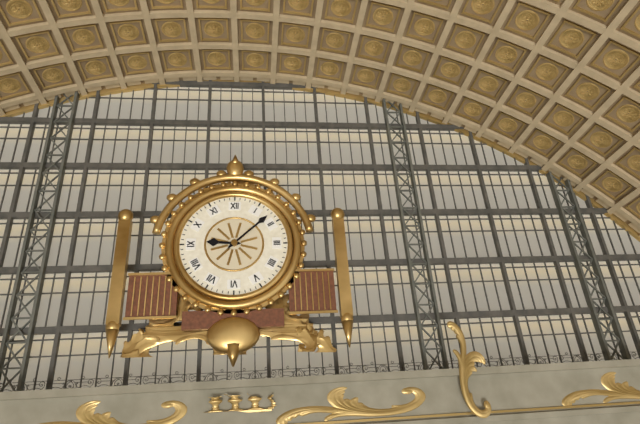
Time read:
9:08
